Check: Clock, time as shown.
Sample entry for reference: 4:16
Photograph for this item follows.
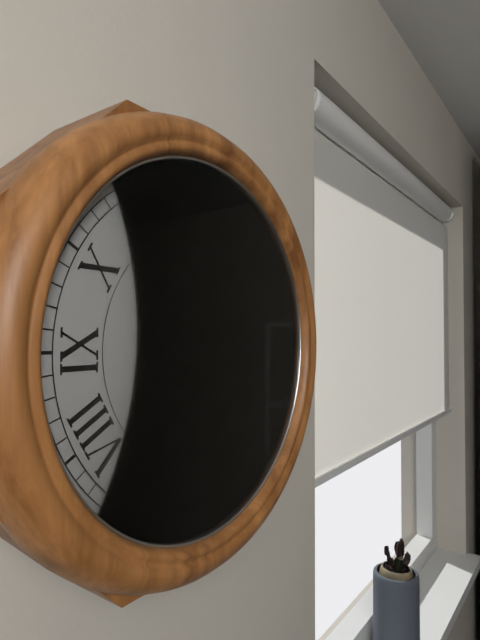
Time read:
4:01
